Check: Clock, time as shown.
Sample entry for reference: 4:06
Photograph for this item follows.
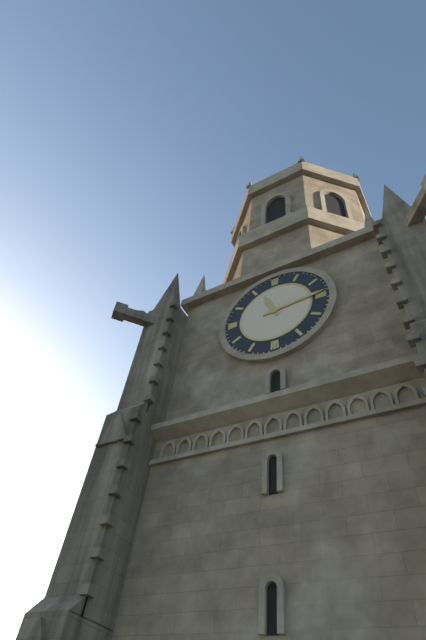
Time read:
11:14
